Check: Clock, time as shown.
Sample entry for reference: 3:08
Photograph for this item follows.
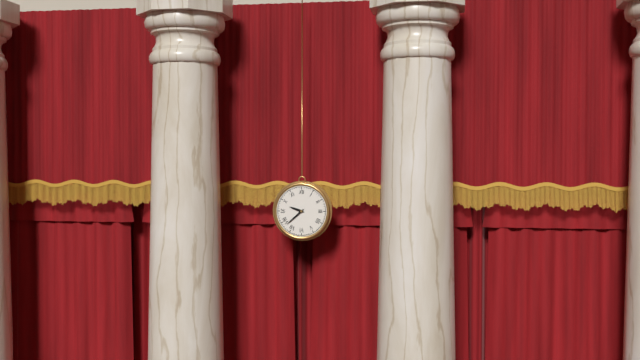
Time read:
9:38
